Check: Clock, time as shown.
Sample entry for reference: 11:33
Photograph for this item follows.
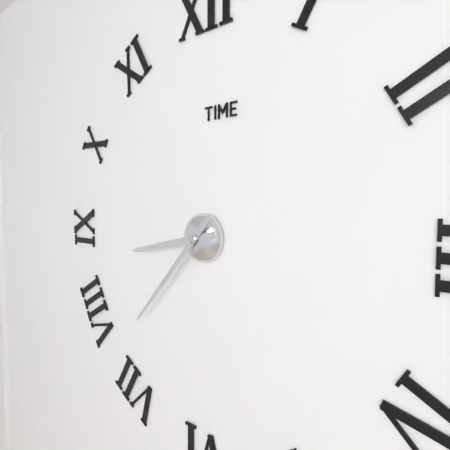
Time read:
8:37
